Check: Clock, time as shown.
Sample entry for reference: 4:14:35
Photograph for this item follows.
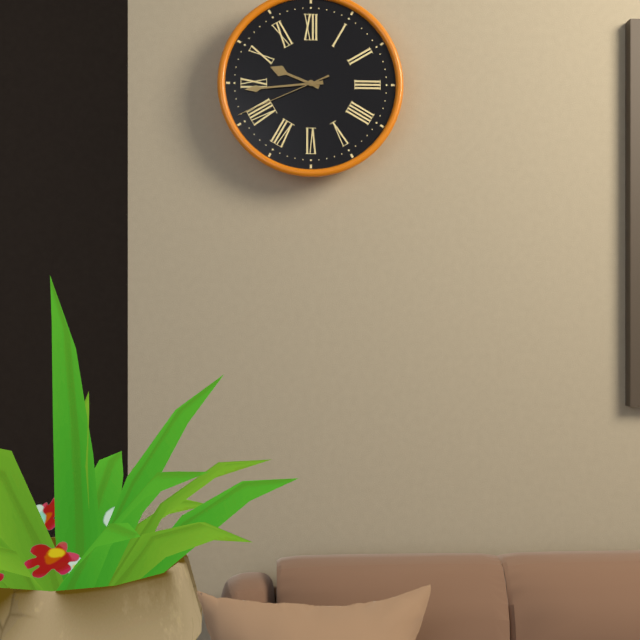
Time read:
9:44:41
